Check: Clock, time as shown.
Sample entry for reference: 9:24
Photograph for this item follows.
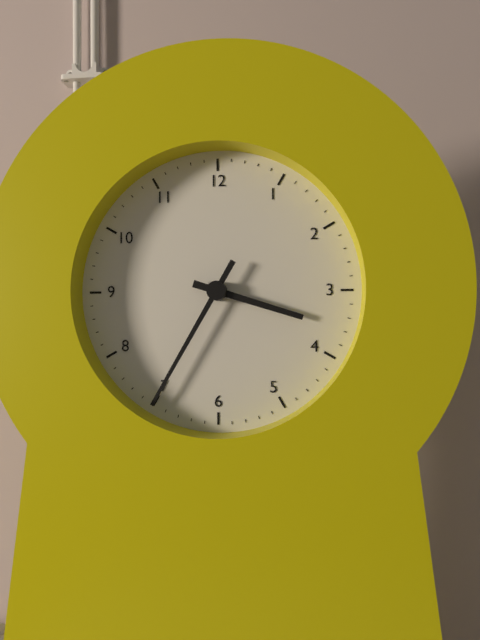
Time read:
3:35
